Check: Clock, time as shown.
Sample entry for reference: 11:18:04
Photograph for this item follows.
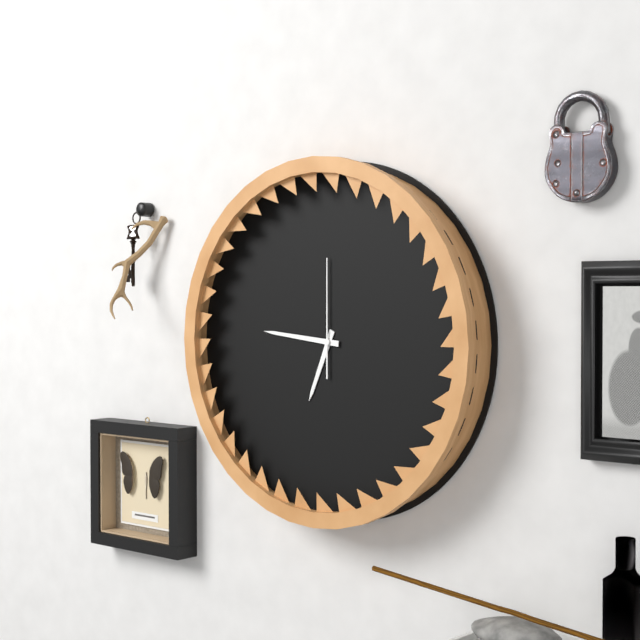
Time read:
6:46:00
